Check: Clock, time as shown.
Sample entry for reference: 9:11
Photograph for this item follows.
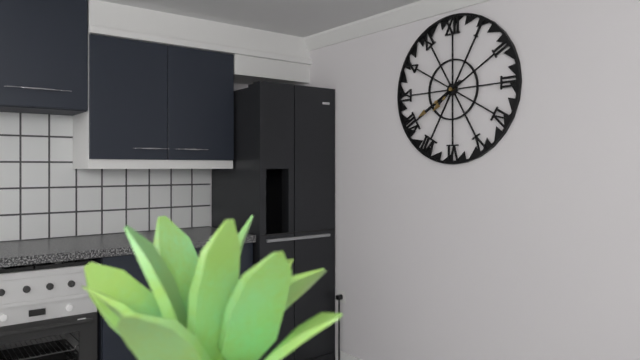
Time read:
7:40
